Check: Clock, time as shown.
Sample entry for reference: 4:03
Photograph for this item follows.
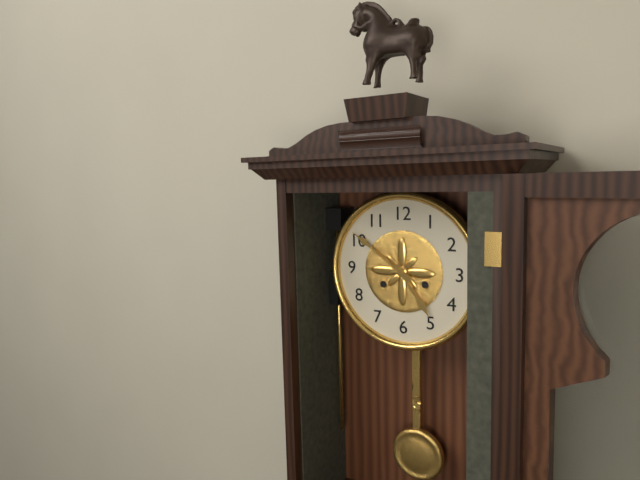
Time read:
4:51
